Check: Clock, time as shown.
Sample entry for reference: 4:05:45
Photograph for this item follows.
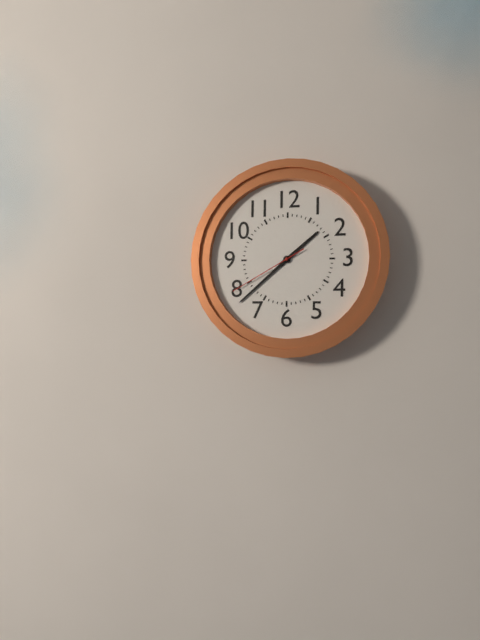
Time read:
1:38:40
